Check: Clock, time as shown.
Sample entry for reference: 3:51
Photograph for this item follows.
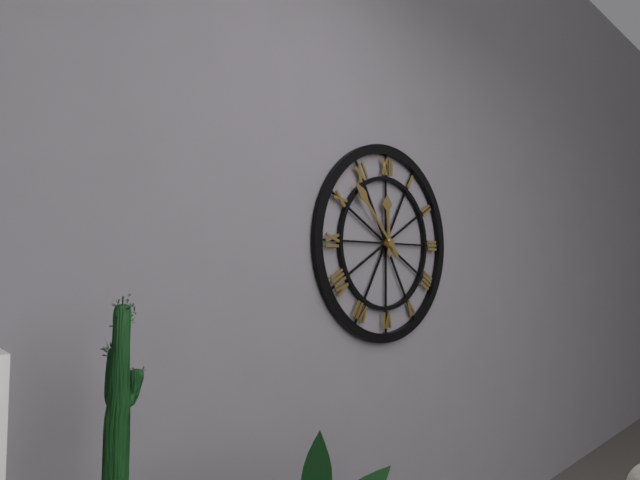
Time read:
11:53
